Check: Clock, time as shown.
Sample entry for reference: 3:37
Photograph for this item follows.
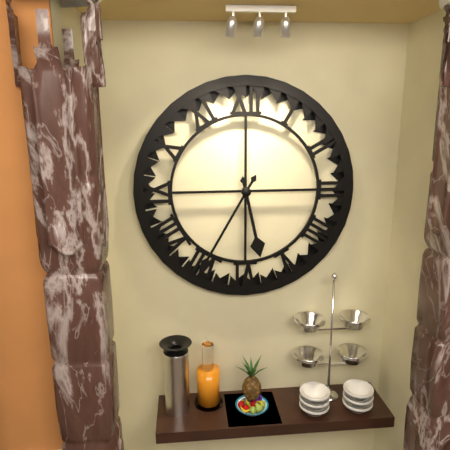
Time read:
5:35
